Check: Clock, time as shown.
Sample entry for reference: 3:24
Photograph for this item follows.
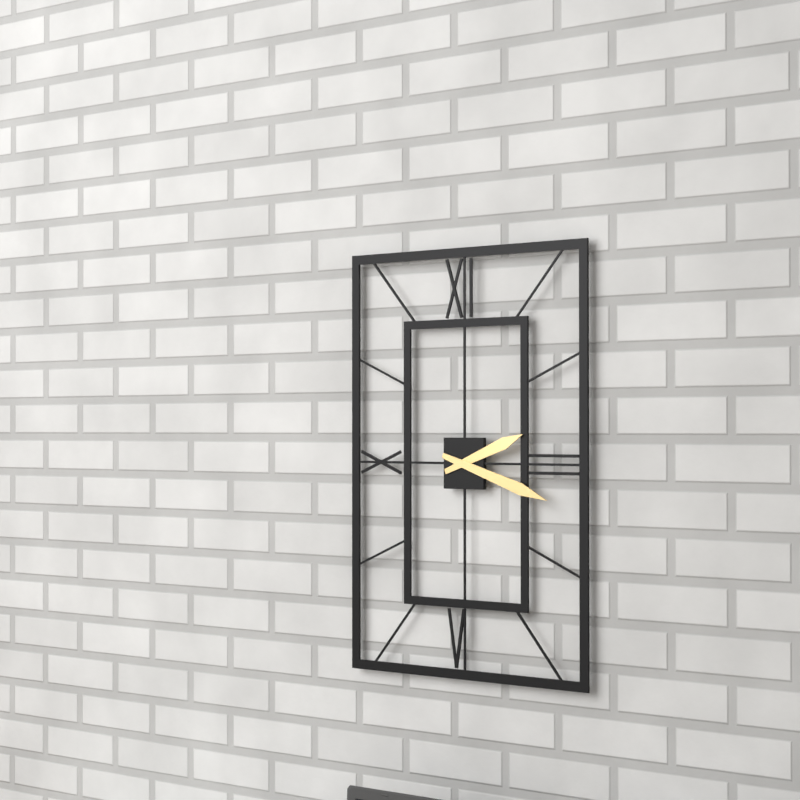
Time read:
2:18
